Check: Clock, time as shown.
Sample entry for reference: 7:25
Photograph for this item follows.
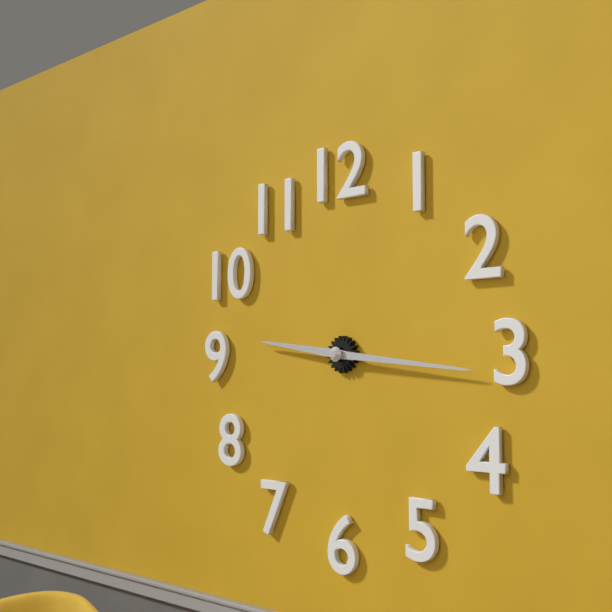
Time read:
9:16
